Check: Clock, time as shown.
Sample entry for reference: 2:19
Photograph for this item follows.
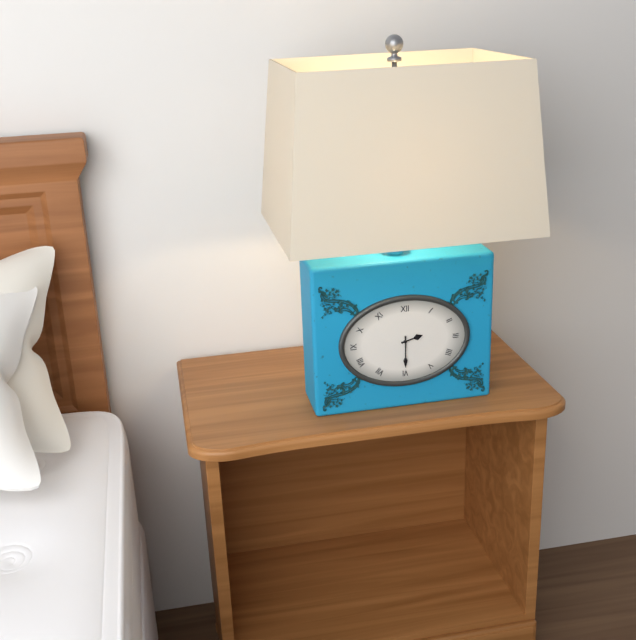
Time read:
2:30
